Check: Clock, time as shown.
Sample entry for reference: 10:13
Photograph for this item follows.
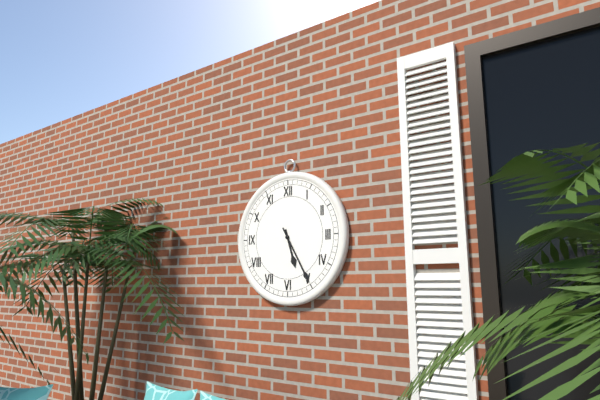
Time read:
5:25
